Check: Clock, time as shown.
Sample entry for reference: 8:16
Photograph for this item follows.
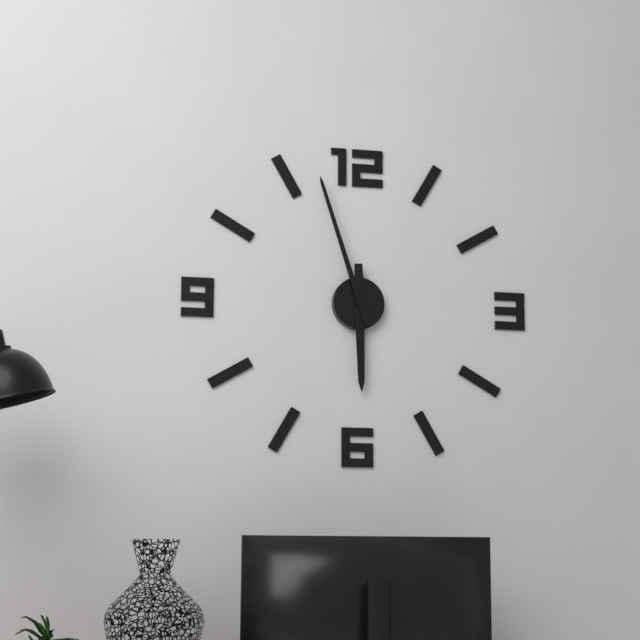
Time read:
5:57
